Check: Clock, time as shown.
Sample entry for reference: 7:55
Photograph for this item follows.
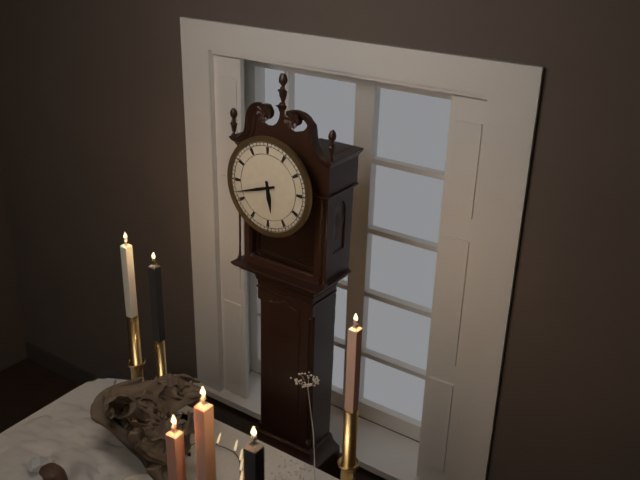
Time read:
5:42
